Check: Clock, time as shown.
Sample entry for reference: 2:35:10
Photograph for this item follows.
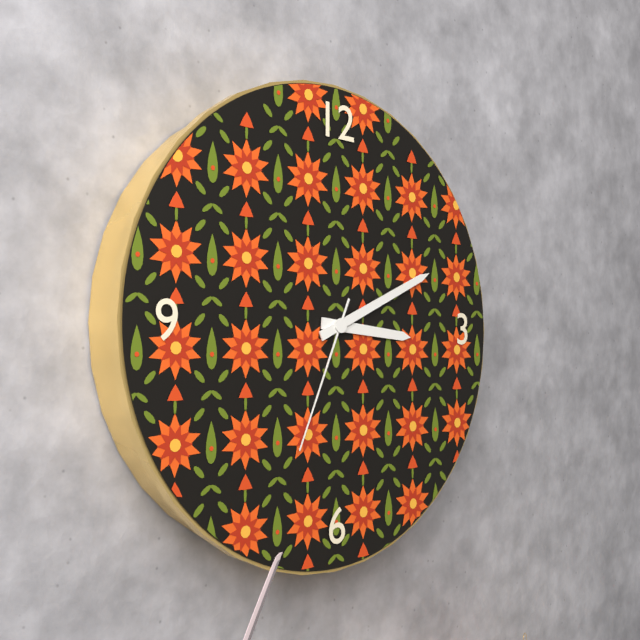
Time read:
3:11:34
